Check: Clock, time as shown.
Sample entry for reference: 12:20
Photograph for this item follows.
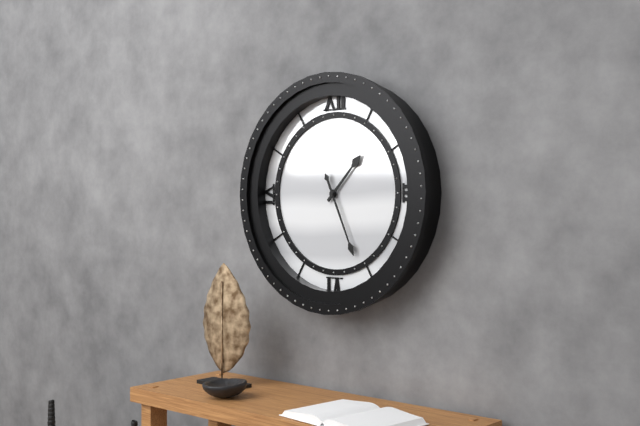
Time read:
1:26
